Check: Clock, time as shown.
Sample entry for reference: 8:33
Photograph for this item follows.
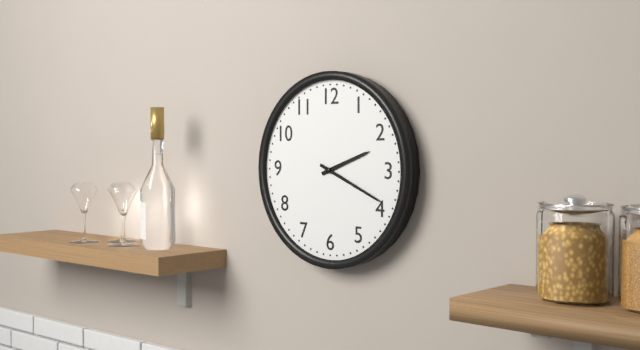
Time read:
2:19
